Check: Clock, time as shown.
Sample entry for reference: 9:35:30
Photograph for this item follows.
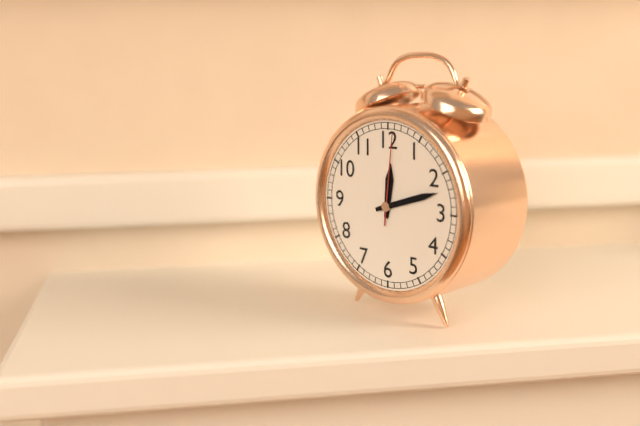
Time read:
12:12:01
